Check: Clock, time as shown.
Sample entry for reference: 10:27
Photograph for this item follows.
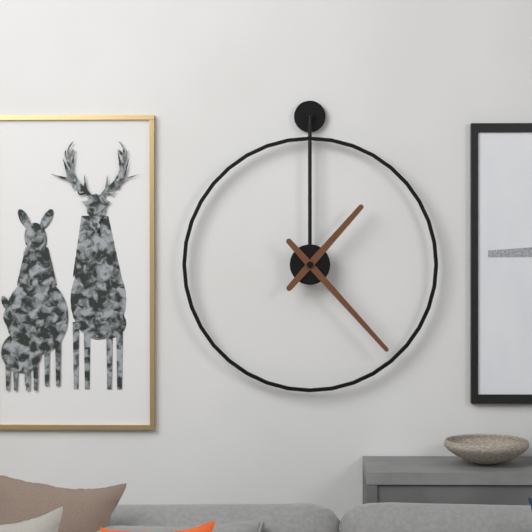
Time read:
1:23
